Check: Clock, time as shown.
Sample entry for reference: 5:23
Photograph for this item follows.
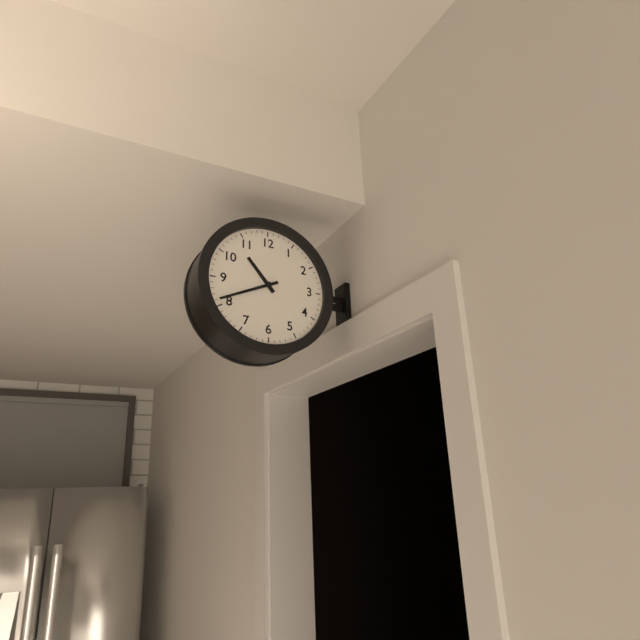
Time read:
10:41
